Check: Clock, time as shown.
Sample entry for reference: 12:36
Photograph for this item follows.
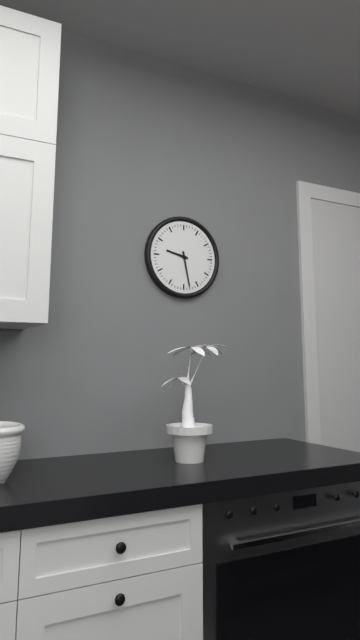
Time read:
9:28
